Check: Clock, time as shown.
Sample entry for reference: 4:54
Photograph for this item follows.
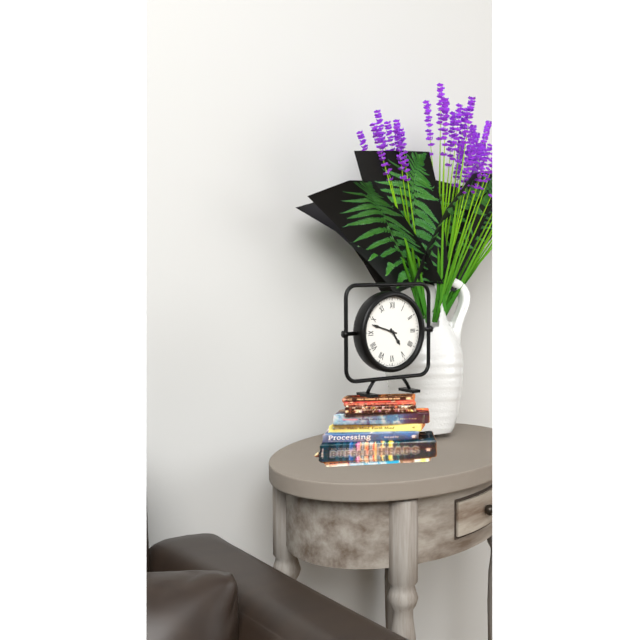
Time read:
4:48
